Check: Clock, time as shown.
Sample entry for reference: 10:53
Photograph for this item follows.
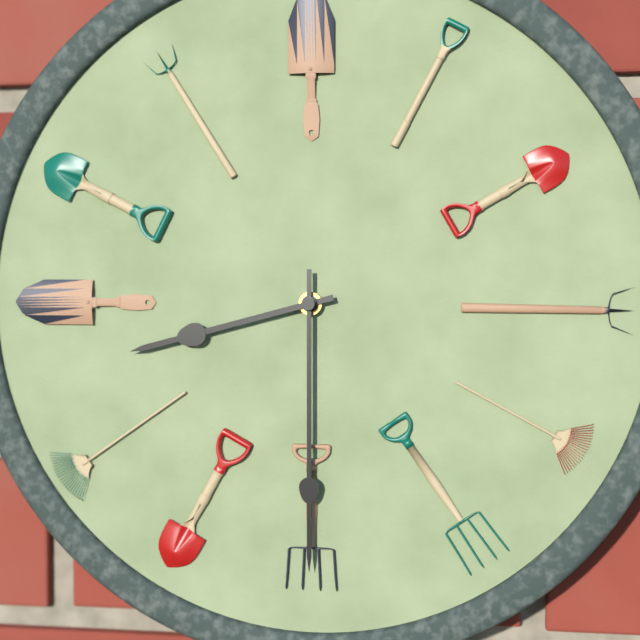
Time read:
8:30
